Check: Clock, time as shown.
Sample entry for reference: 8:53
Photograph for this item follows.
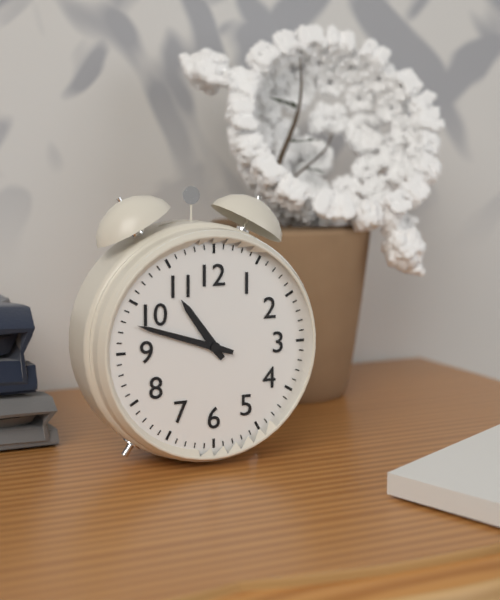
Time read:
10:48
